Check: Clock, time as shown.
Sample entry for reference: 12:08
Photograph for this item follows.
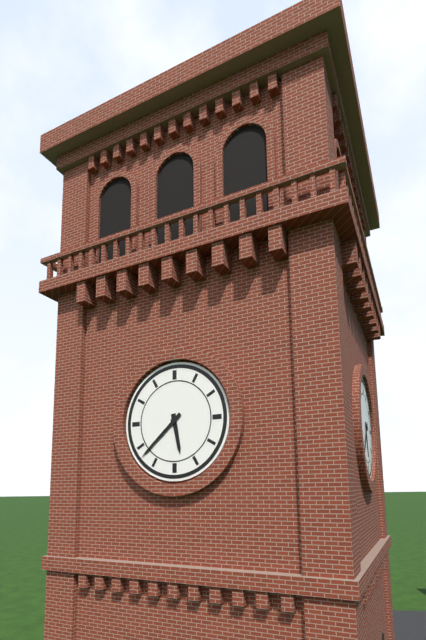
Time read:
5:38
